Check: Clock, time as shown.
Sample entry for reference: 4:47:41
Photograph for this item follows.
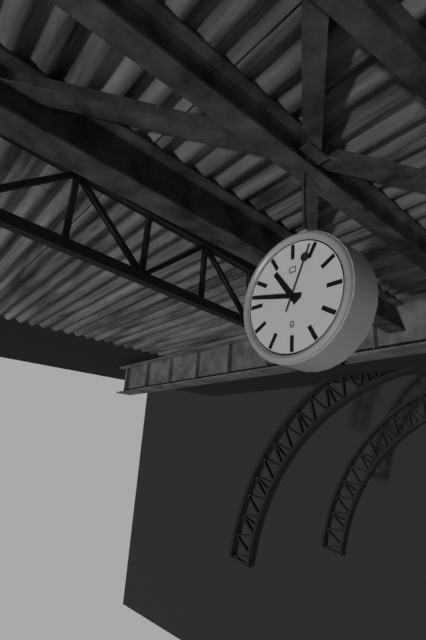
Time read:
10:47:04
